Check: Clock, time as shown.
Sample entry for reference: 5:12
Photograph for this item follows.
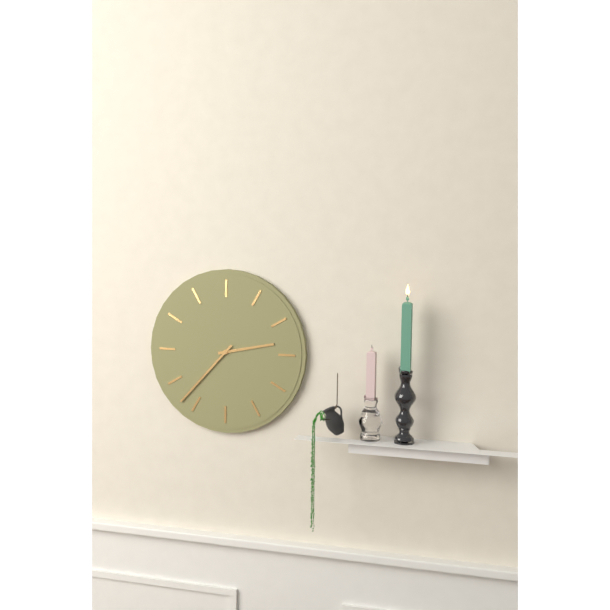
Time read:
2:37
